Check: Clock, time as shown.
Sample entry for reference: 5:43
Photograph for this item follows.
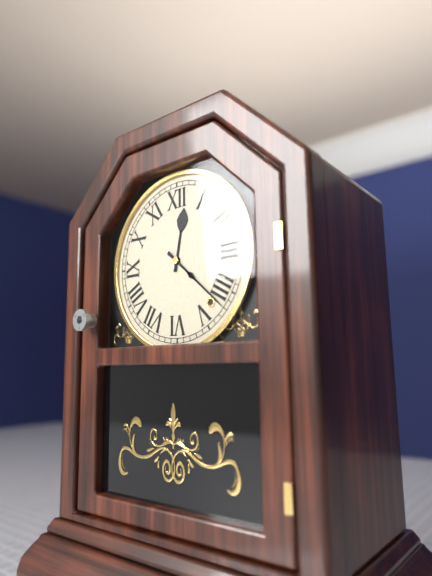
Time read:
12:22
